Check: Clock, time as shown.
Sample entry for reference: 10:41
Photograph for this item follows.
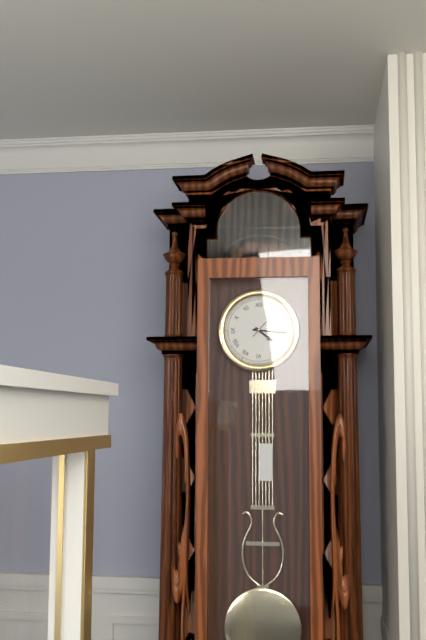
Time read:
4:16
